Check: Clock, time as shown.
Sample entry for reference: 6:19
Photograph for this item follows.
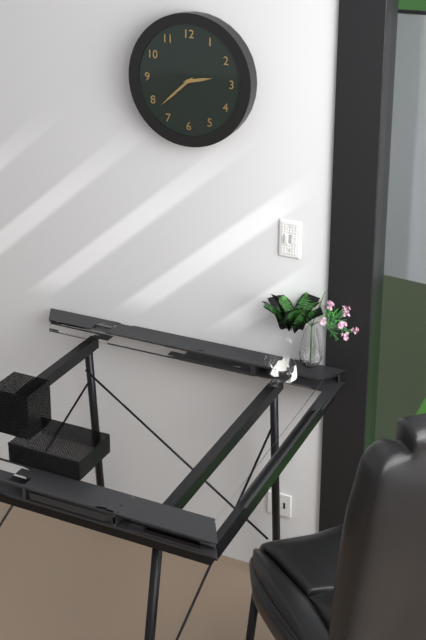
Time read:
2:38
